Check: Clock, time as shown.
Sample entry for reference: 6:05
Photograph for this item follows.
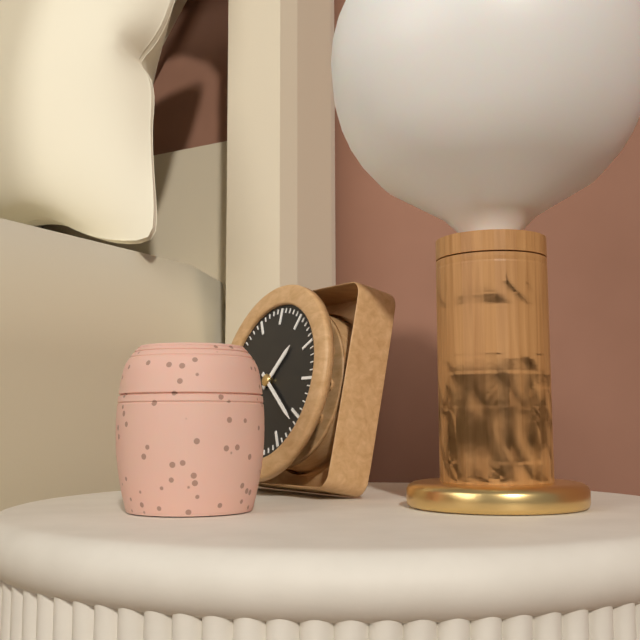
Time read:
1:21
